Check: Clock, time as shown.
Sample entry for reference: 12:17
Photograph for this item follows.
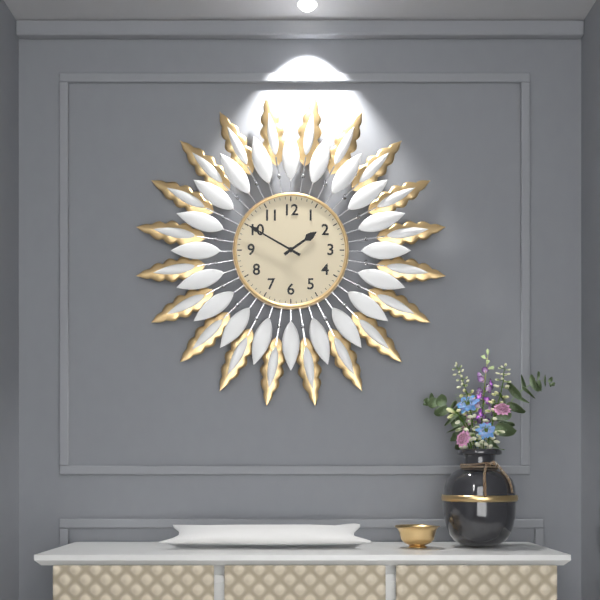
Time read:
1:50
